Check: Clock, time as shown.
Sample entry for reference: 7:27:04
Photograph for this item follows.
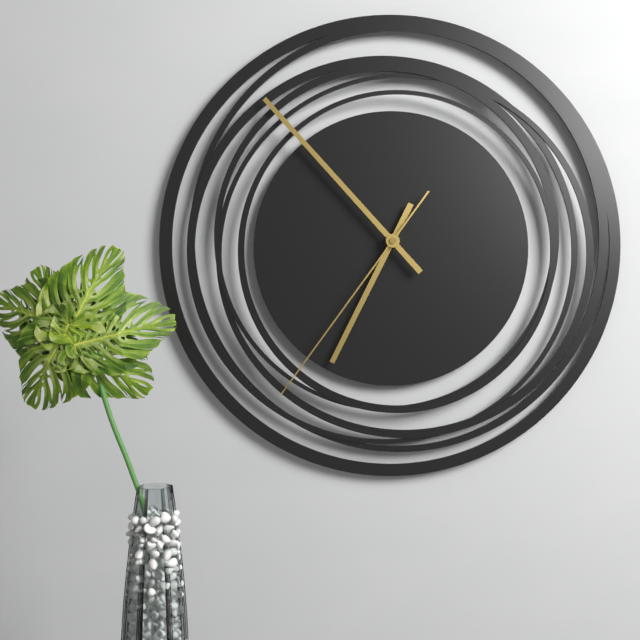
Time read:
6:53:36
